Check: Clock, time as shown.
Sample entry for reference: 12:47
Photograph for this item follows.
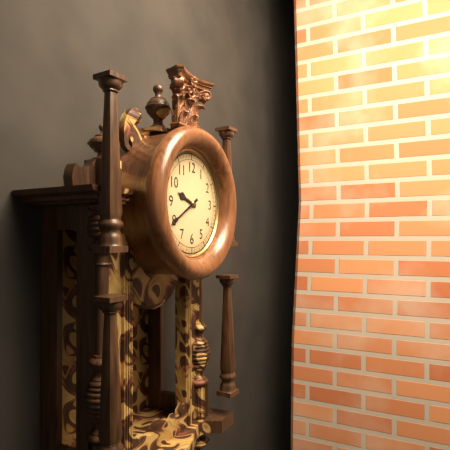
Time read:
9:40
